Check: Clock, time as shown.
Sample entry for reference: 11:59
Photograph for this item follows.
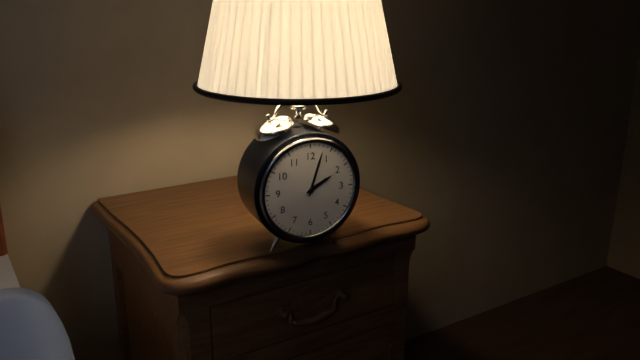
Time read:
2:03
